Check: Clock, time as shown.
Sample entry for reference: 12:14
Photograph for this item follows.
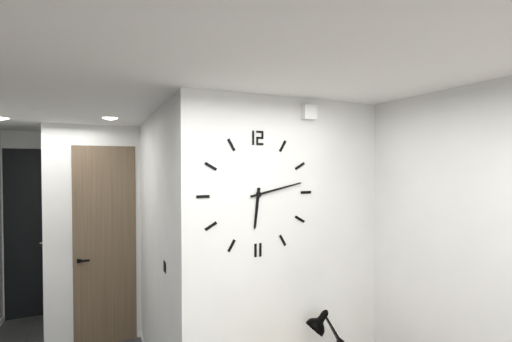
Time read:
6:13
